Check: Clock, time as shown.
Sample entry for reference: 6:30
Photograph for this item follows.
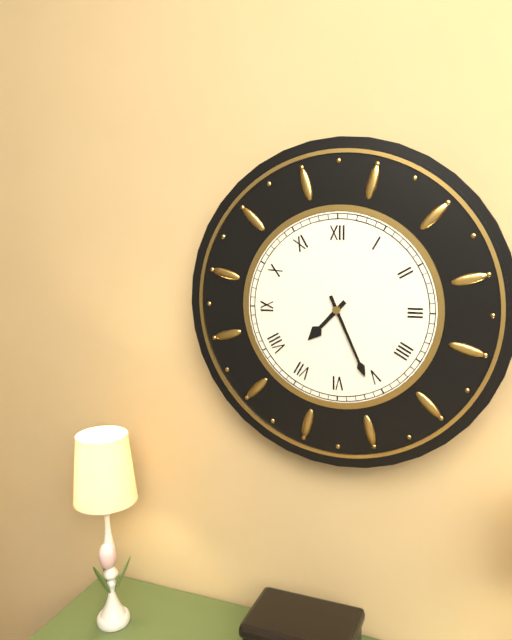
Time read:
7:26
